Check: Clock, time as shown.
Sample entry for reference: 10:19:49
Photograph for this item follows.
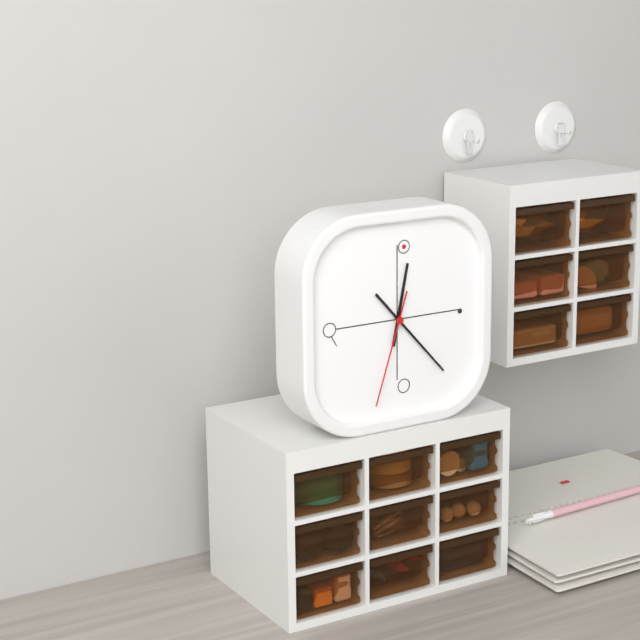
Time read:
12:23:33
